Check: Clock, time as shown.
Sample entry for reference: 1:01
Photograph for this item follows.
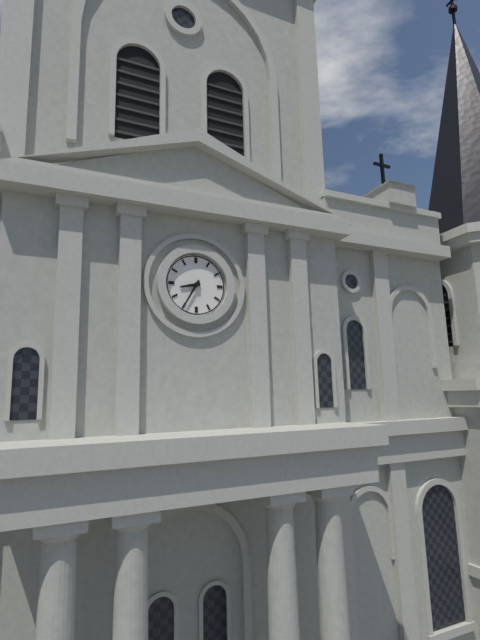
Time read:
8:35
